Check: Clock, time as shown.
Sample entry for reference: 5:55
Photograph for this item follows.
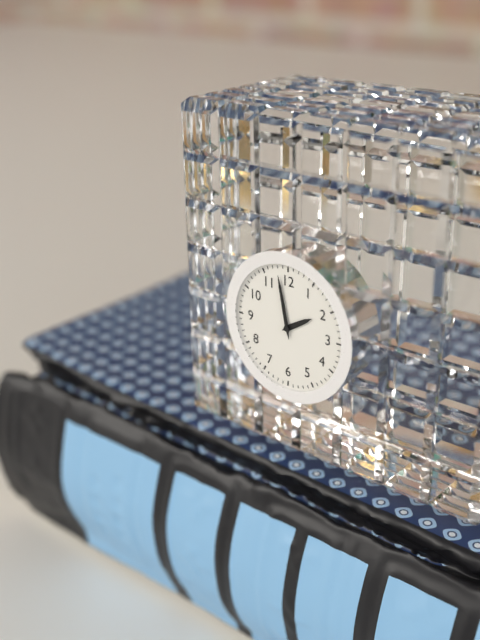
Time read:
1:58
